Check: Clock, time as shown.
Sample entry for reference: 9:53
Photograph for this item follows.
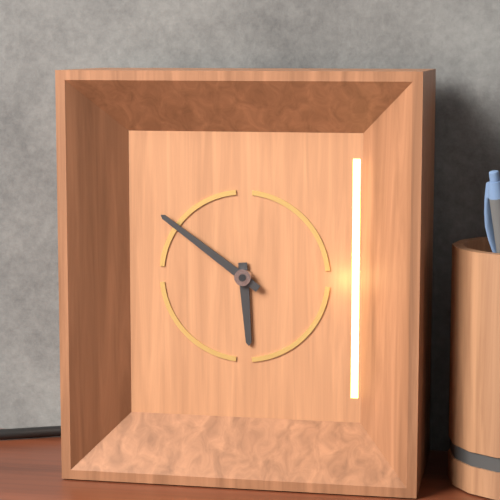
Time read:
5:51
